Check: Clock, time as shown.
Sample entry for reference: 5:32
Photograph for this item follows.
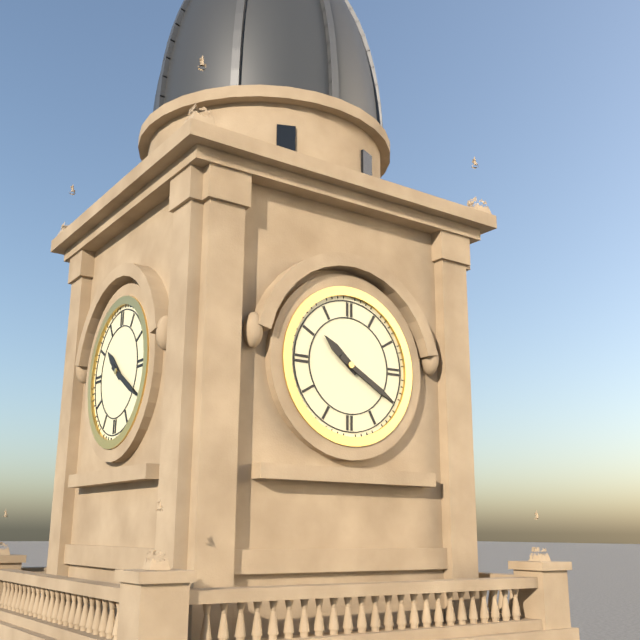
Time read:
10:20
